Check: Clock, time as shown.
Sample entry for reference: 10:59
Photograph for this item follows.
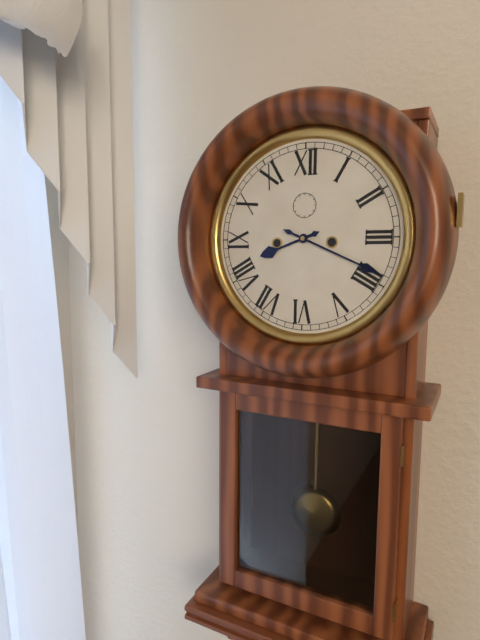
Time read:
8:19
